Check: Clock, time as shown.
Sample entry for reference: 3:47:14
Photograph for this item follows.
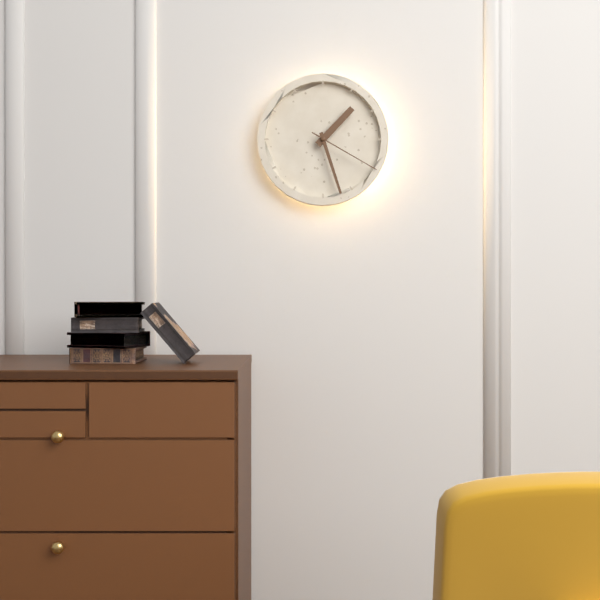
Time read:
1:27:20
